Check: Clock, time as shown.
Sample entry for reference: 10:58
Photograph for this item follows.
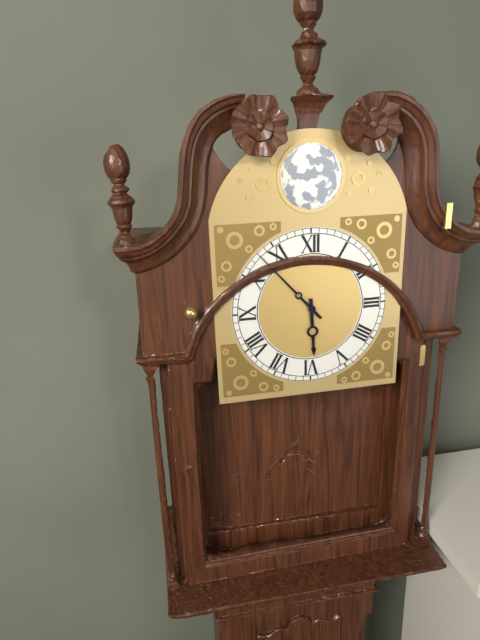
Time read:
5:53
